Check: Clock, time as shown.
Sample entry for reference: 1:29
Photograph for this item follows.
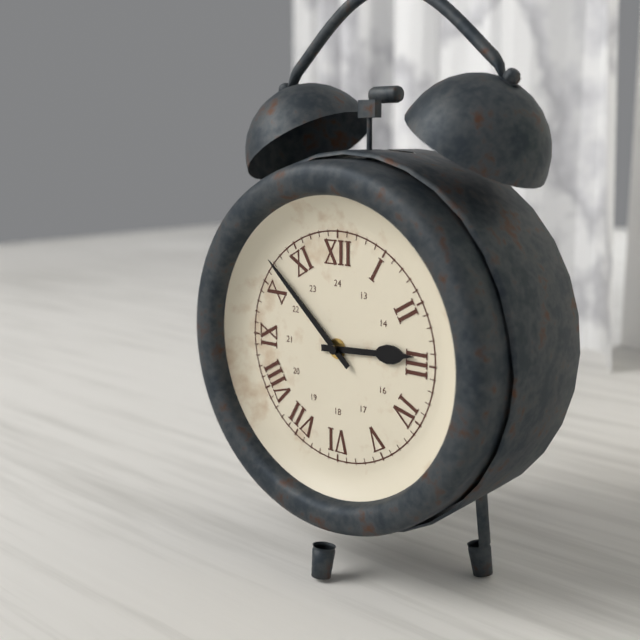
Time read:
2:52
